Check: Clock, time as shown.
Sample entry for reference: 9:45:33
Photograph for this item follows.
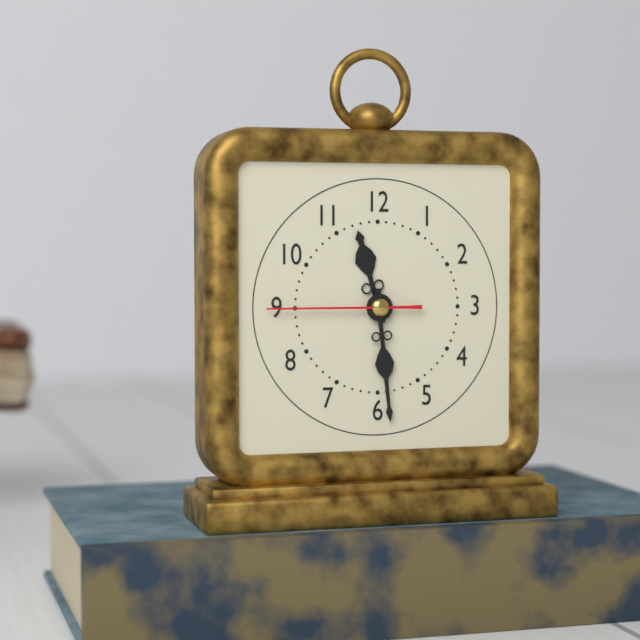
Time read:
11:29:45
